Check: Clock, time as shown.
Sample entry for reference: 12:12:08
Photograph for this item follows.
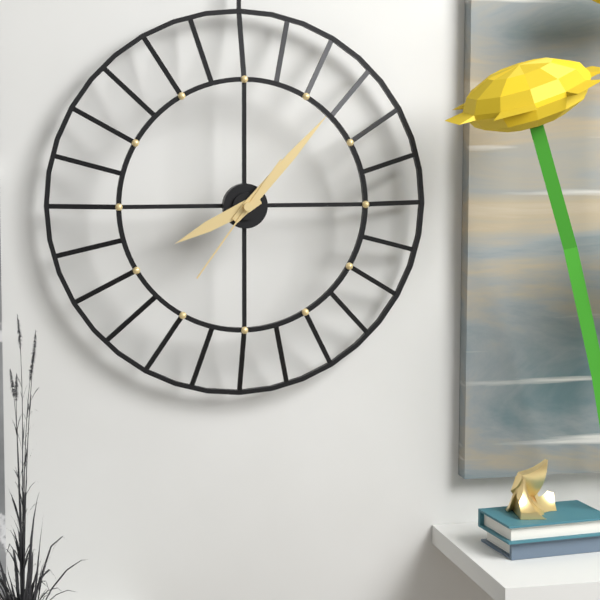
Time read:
8:07:36
